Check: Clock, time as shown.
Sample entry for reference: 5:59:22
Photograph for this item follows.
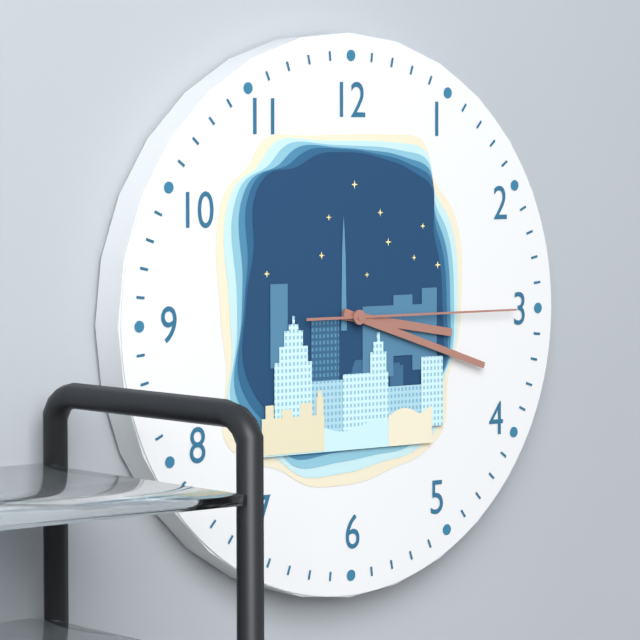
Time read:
3:18:15
